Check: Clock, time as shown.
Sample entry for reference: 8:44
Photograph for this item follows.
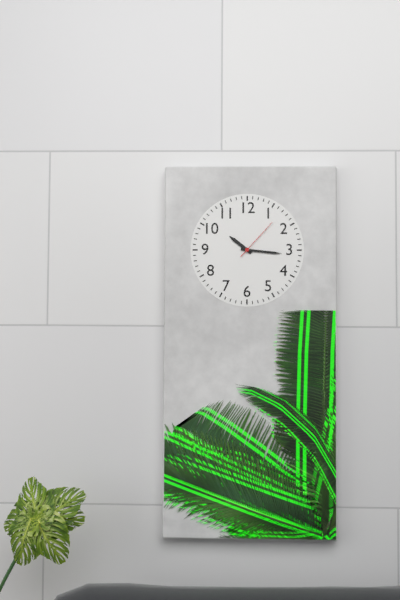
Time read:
10:16
